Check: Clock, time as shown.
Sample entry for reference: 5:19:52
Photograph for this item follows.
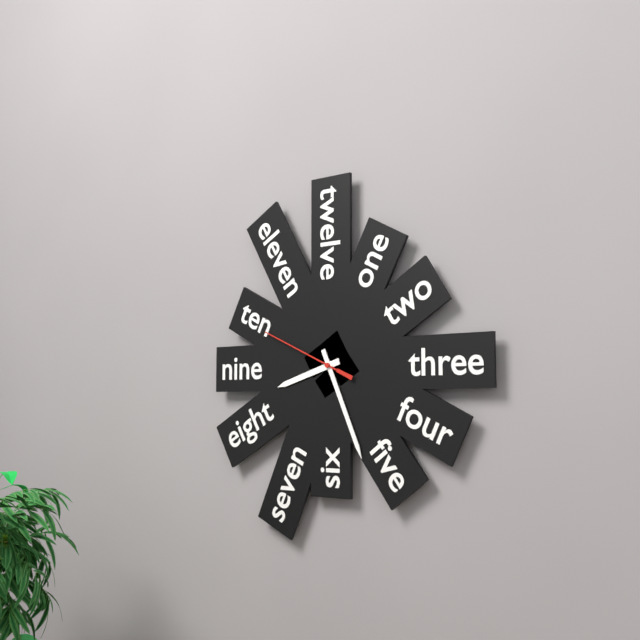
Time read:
8:26:49
